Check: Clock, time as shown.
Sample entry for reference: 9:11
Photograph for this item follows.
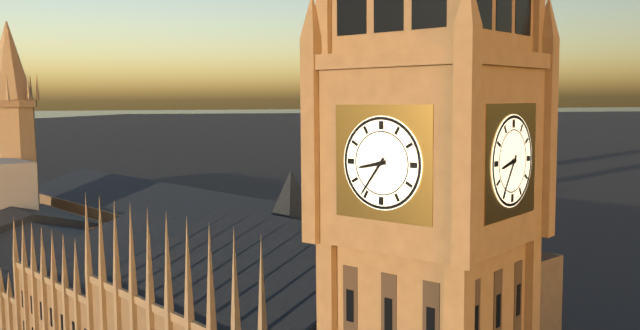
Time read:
8:36
